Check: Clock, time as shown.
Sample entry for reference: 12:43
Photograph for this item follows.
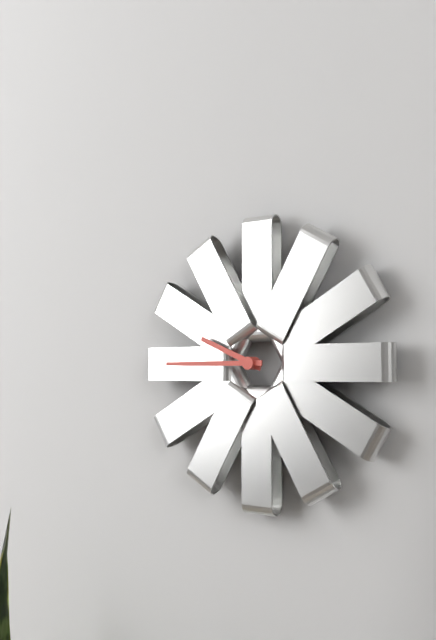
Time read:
9:45
